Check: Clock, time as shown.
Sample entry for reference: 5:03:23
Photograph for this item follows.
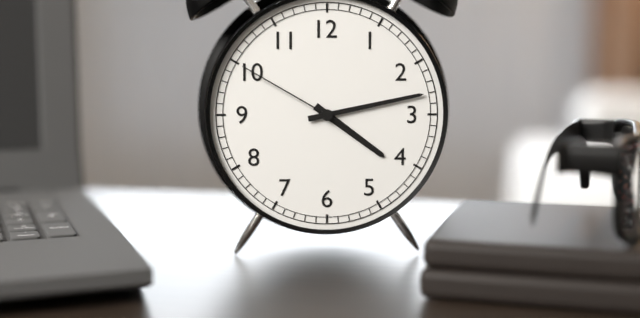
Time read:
4:13:50
